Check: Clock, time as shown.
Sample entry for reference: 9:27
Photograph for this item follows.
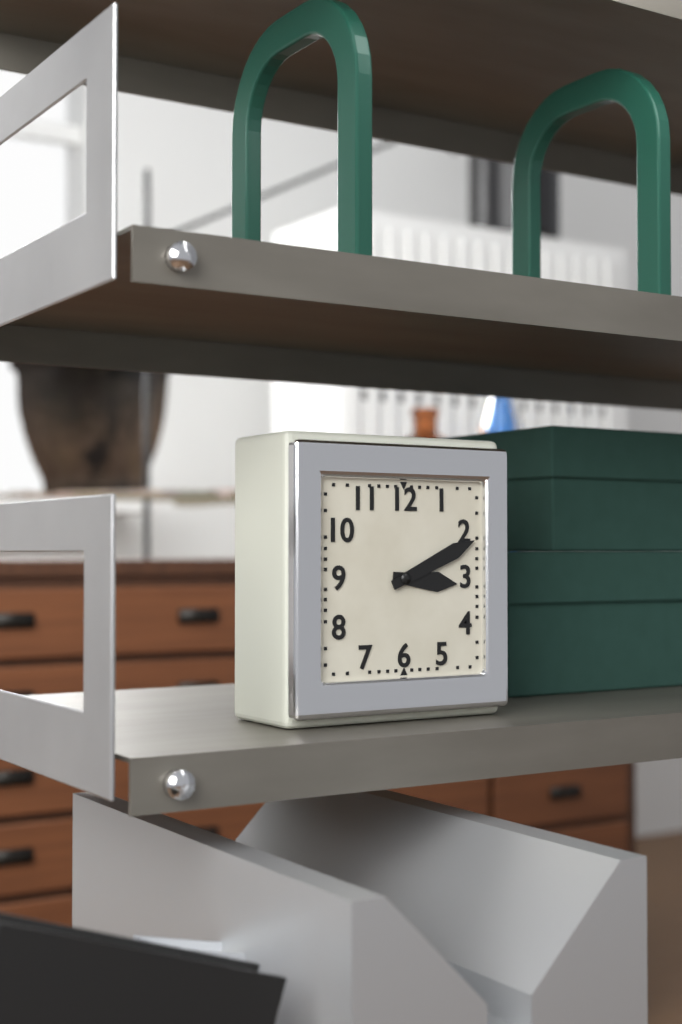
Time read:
3:11
